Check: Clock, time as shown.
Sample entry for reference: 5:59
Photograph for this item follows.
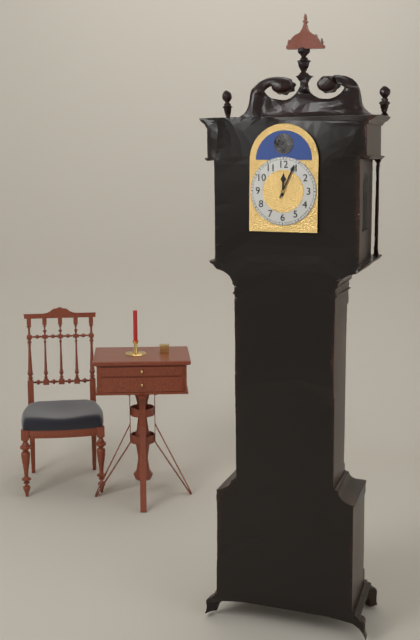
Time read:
12:04
